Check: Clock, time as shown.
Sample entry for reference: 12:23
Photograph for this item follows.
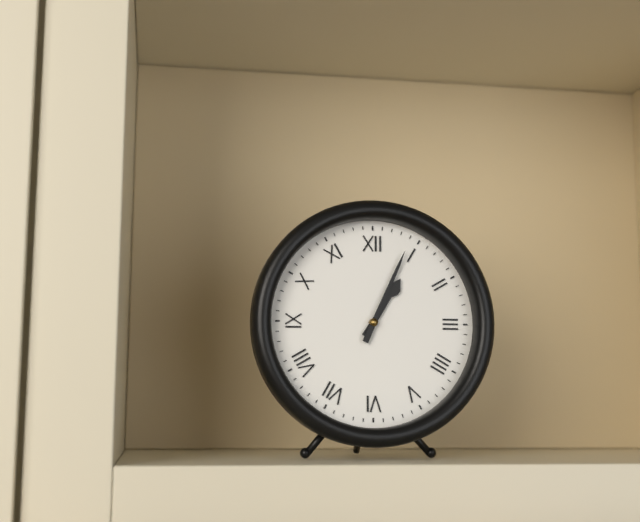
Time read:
1:04
